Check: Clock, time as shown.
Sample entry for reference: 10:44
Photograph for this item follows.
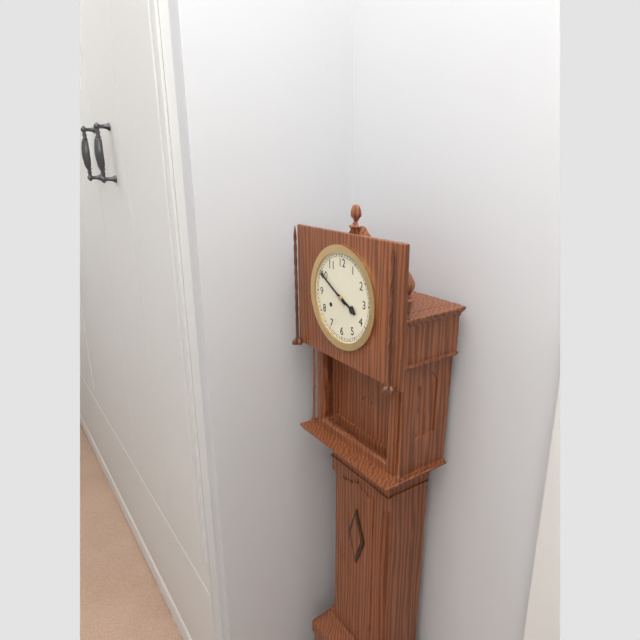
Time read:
3:50
